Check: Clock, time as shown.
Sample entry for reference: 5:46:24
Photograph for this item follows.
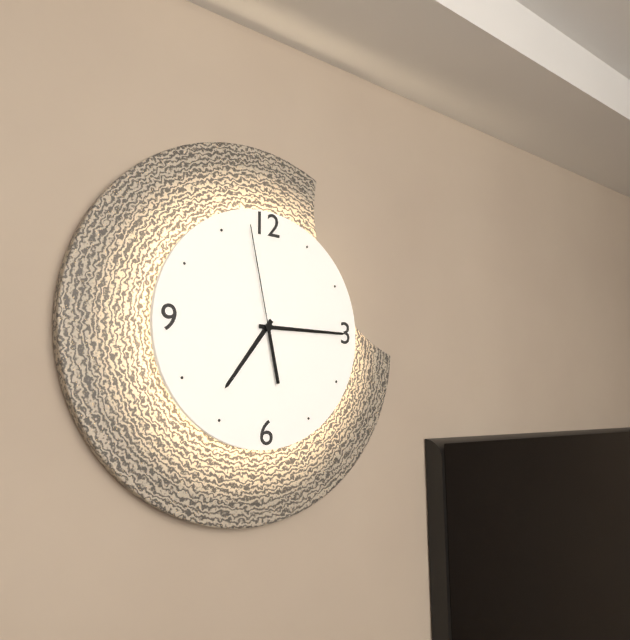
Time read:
7:15:58
